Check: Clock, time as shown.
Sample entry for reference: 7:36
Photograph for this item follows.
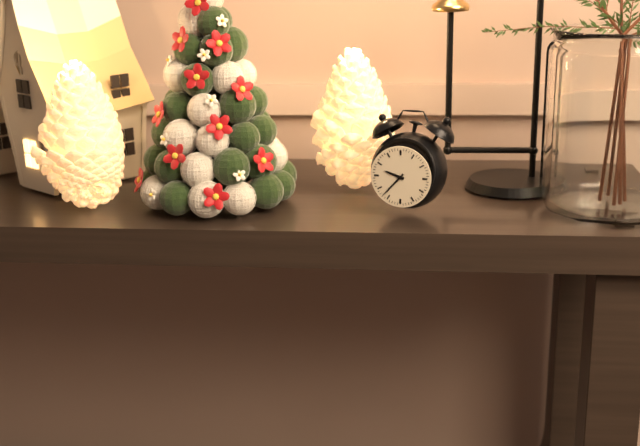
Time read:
9:37
